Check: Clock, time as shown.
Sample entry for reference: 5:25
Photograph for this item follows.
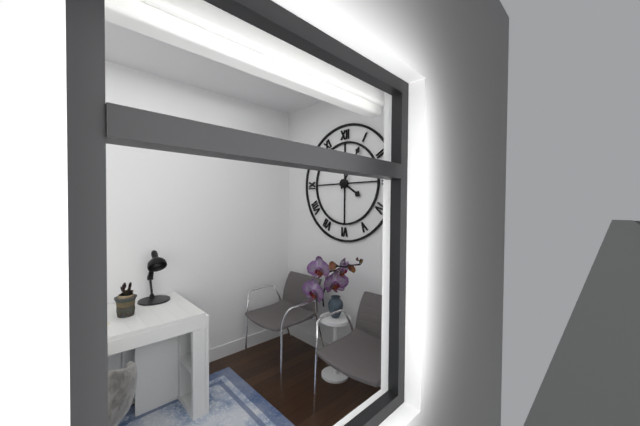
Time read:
4:05
